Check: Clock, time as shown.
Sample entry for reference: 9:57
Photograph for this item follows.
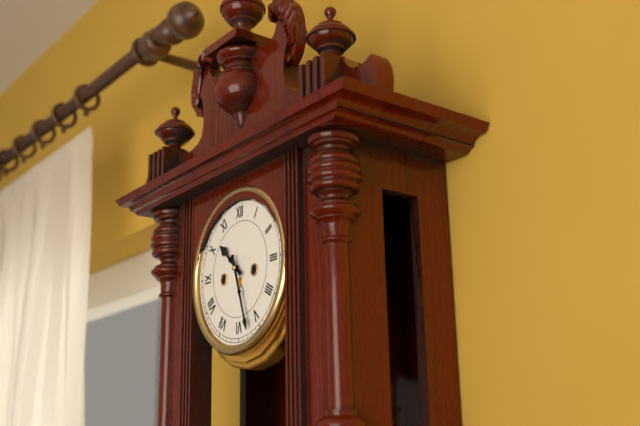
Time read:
10:27
